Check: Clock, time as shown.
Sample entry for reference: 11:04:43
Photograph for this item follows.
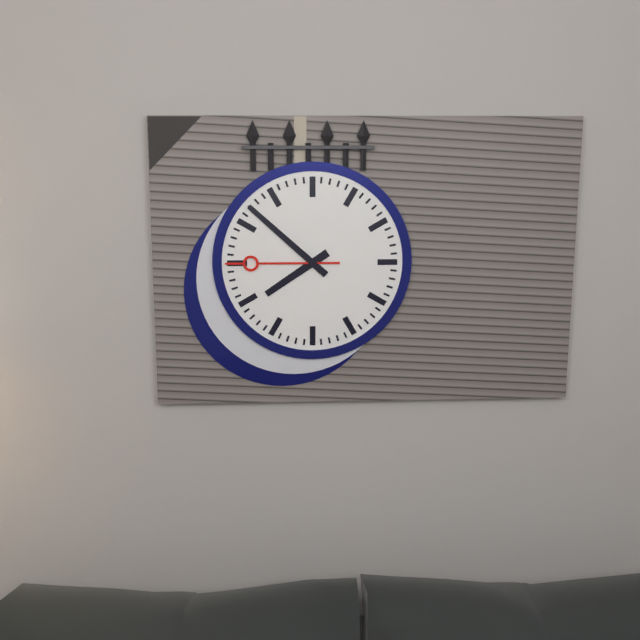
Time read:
7:52:45
